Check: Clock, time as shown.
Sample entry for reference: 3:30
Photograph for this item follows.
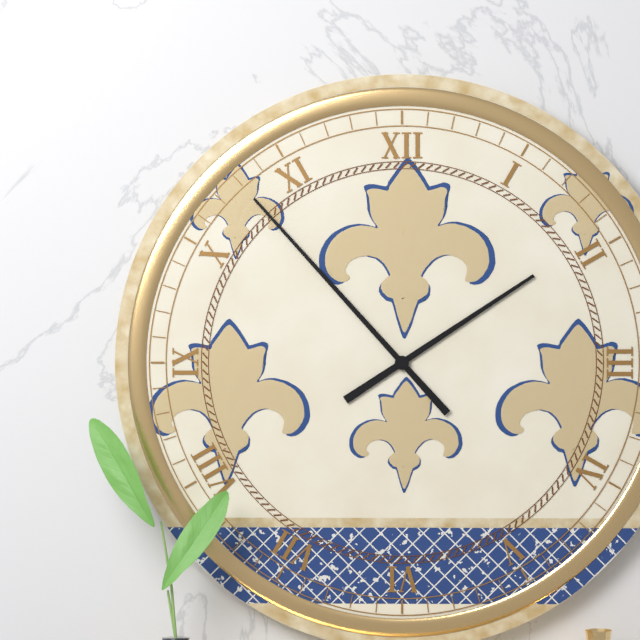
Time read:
1:53
